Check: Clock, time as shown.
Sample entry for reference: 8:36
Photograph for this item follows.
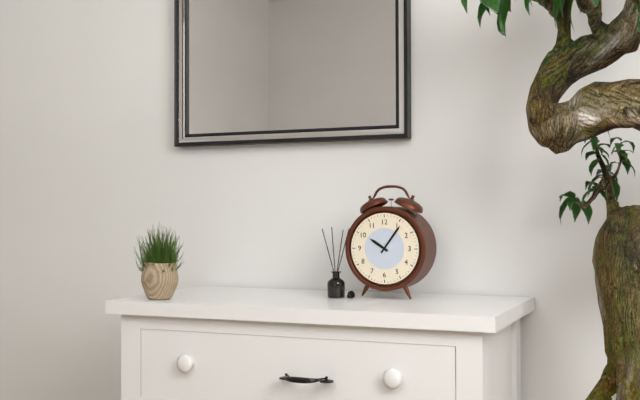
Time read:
10:06
